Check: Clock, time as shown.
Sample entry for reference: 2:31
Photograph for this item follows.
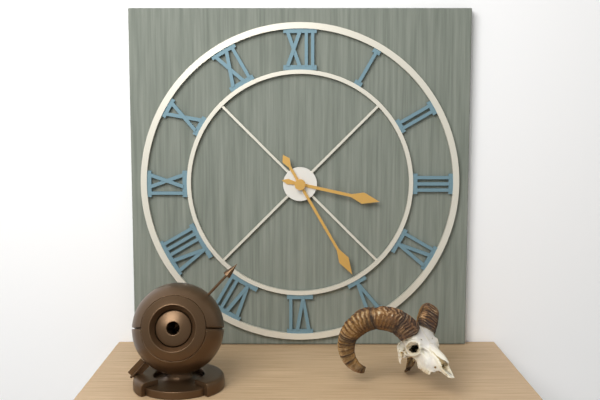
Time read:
3:25
